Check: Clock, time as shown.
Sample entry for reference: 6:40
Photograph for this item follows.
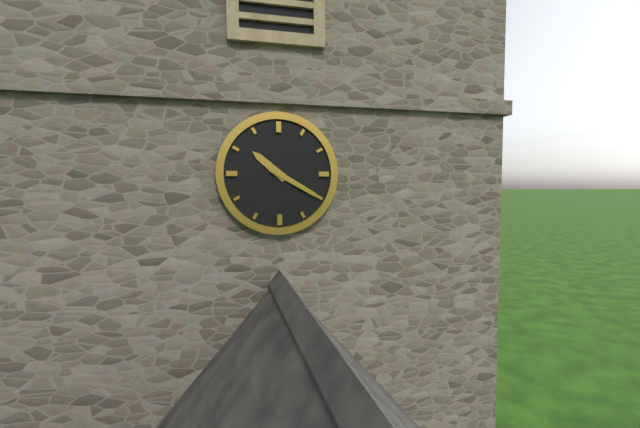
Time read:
10:20
